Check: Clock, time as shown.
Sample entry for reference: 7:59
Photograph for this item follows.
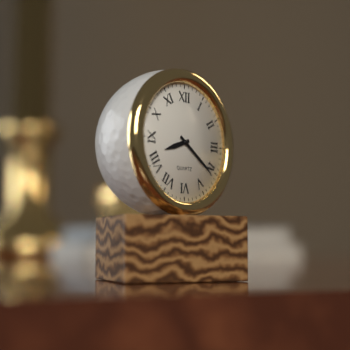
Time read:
8:21
